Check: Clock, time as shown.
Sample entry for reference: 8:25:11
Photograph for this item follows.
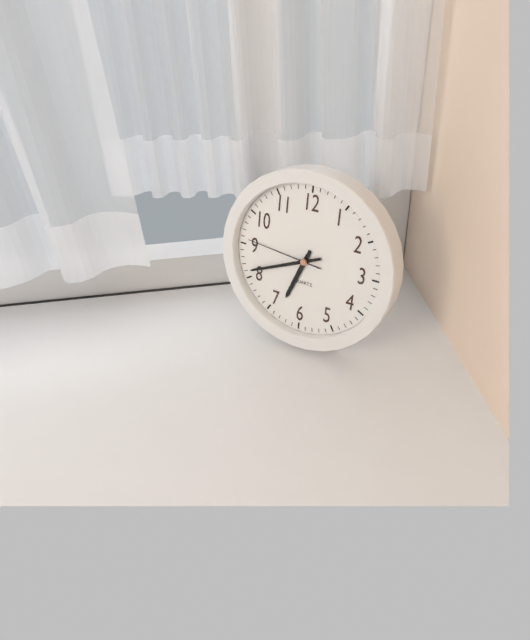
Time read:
6:41:46
